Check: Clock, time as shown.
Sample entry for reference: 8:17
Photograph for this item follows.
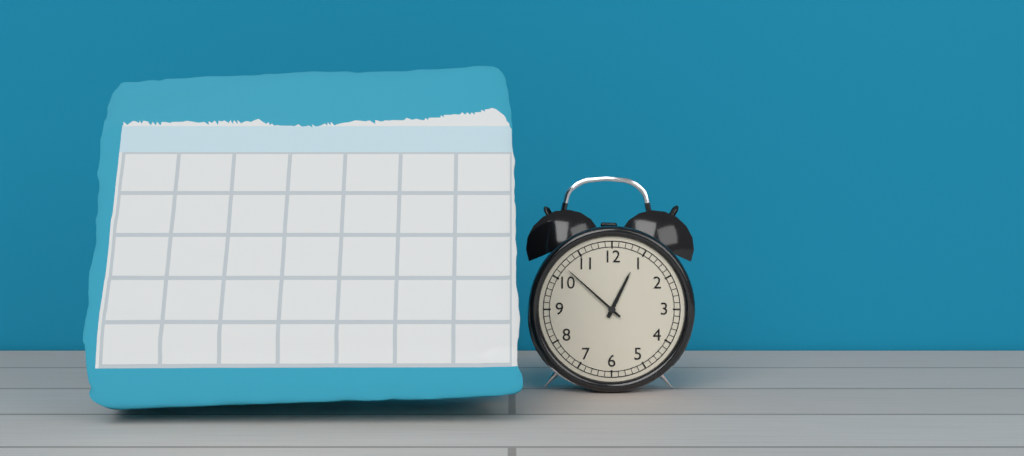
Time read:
12:52
